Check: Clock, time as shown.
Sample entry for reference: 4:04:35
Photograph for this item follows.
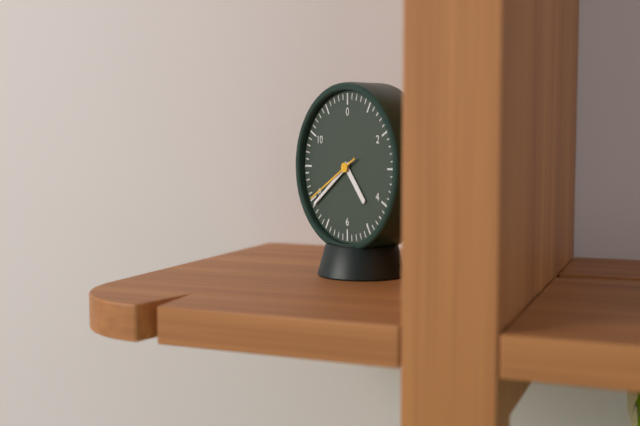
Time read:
4:39:40
